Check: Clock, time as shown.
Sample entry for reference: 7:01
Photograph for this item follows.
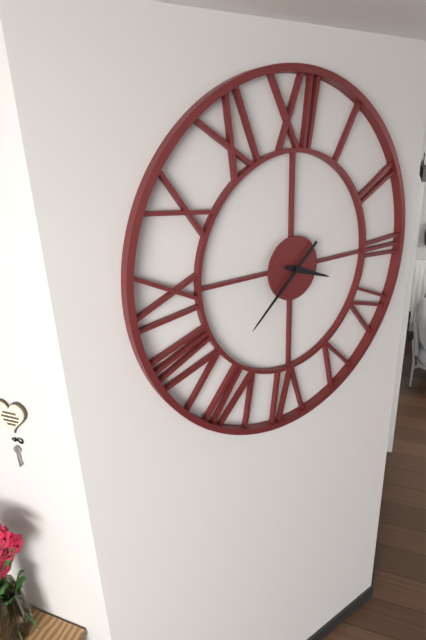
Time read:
3:38
